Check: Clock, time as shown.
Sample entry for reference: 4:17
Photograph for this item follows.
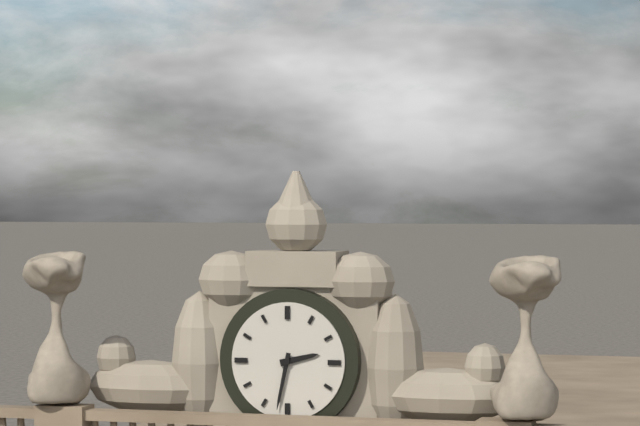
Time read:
2:32
